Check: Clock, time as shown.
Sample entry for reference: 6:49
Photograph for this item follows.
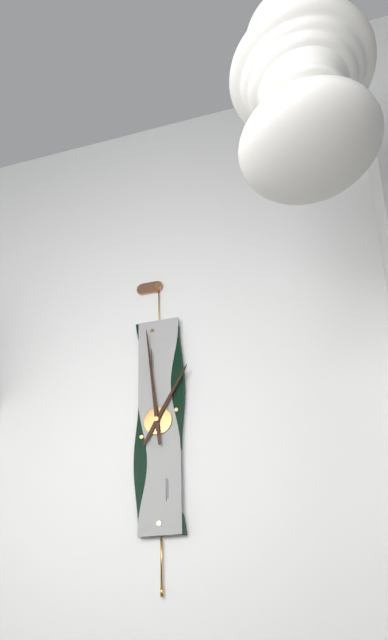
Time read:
12:59
